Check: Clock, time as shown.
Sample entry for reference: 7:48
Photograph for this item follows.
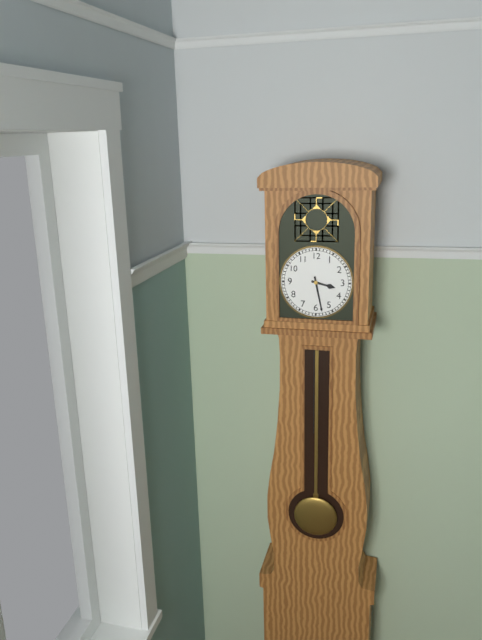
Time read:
3:28
